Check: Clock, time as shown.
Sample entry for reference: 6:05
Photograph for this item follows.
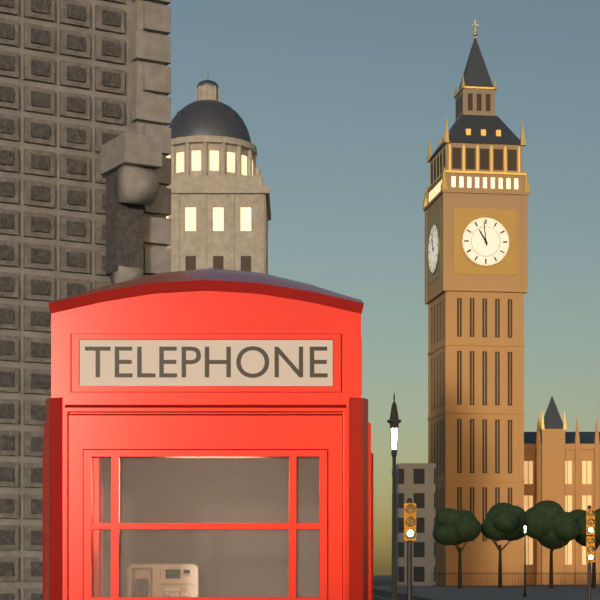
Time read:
10:59
